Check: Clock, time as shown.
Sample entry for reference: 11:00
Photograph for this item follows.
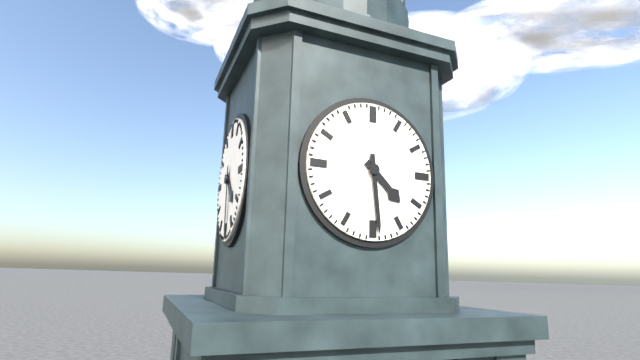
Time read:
4:29
